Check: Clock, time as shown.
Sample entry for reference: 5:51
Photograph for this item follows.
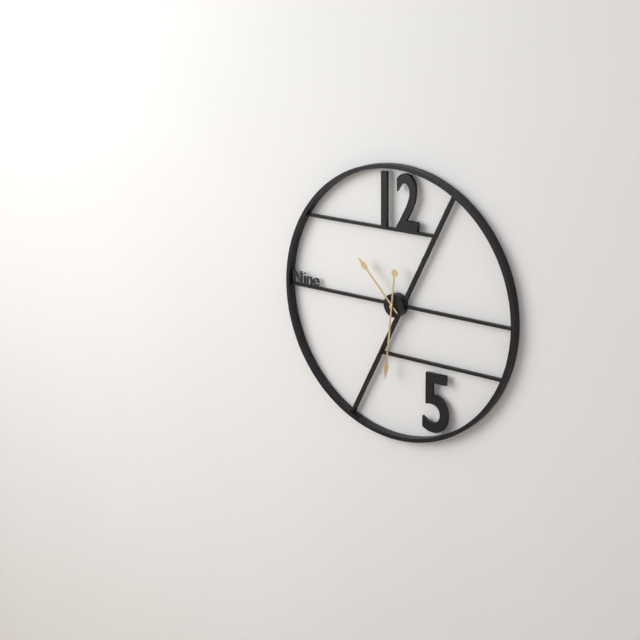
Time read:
10:31
